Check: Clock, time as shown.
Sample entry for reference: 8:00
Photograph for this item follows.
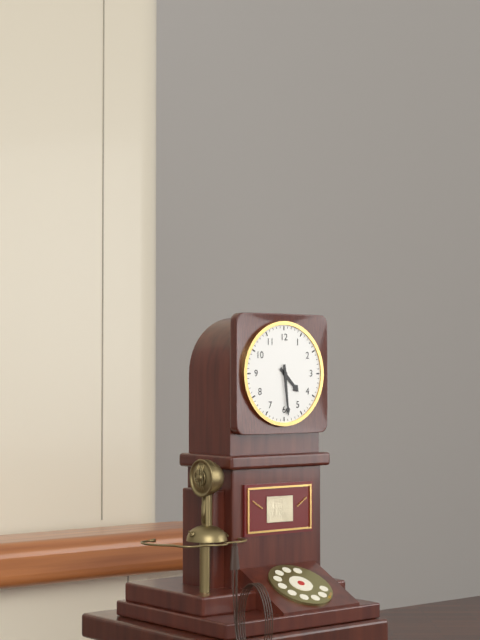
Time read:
4:29
